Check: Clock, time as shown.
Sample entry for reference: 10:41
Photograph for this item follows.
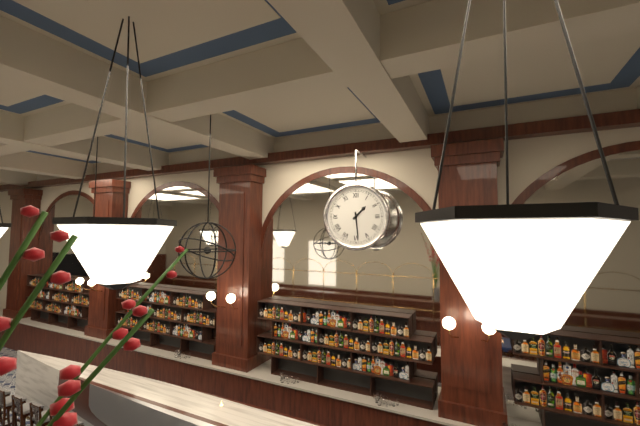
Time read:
1:29
